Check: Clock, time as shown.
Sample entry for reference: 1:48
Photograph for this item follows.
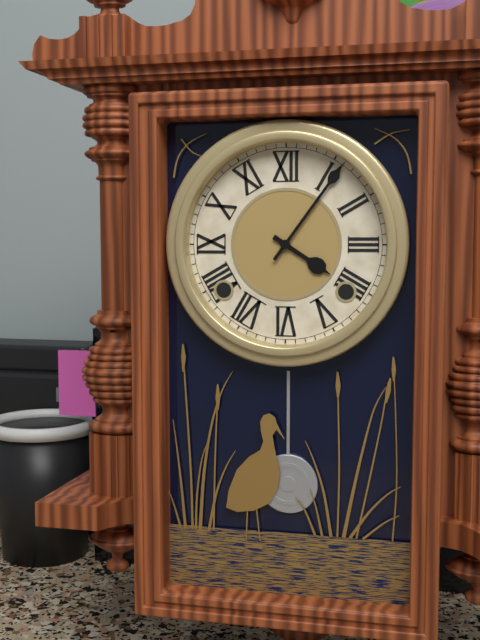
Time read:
4:06
